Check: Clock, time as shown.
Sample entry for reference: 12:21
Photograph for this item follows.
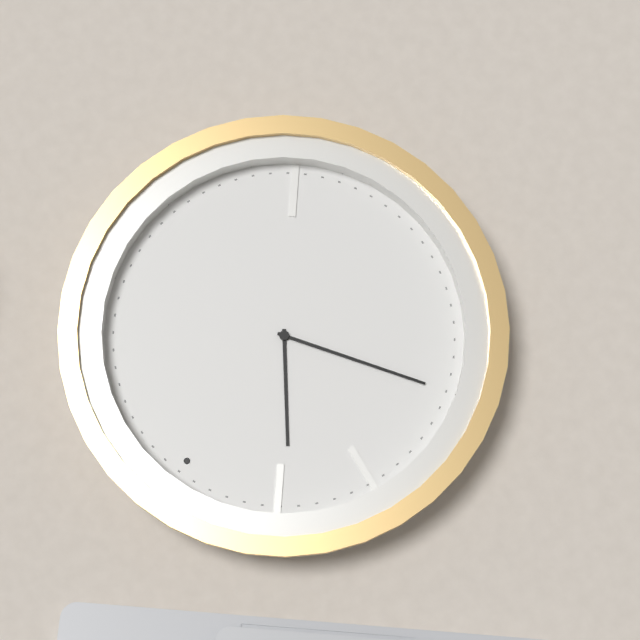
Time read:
10:42
